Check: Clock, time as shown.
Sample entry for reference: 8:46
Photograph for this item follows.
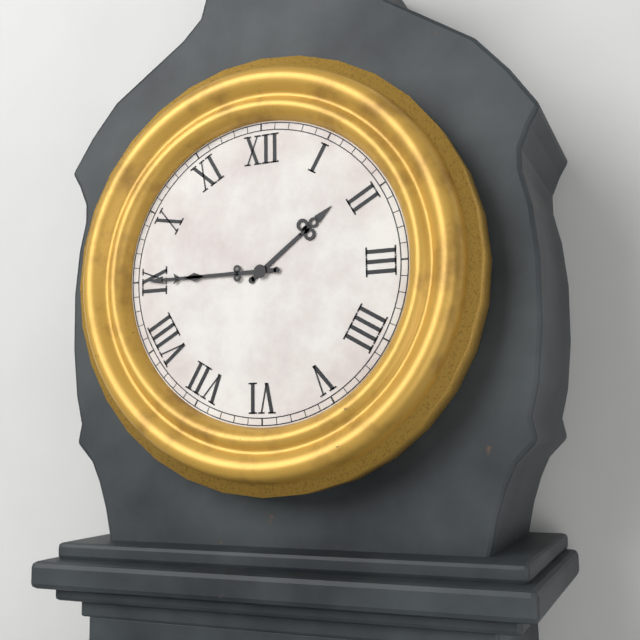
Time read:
1:45
